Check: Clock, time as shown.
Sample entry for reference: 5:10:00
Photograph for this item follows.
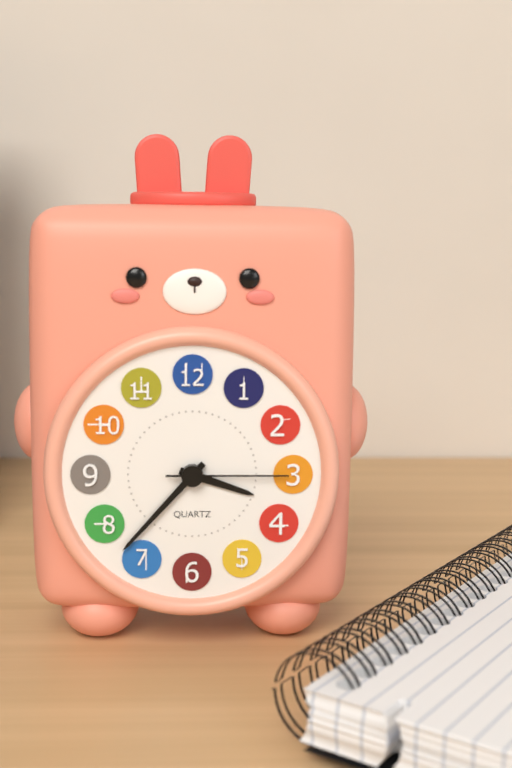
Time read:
3:37:15
